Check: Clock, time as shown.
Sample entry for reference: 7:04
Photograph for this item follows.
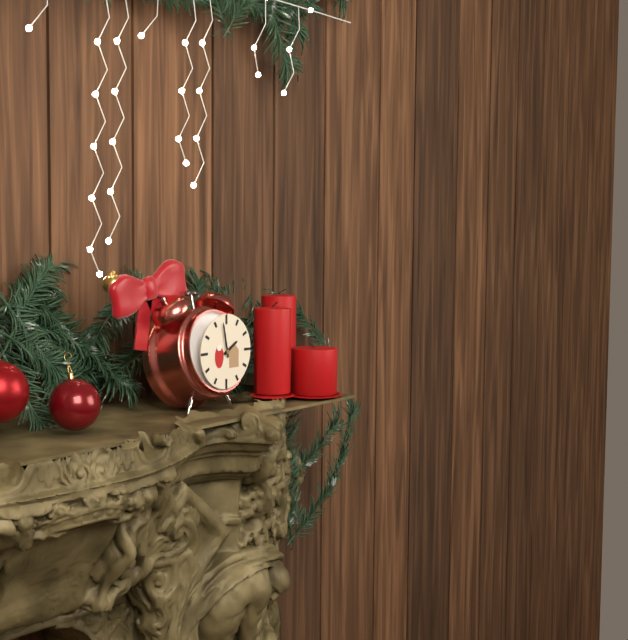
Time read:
1:58
